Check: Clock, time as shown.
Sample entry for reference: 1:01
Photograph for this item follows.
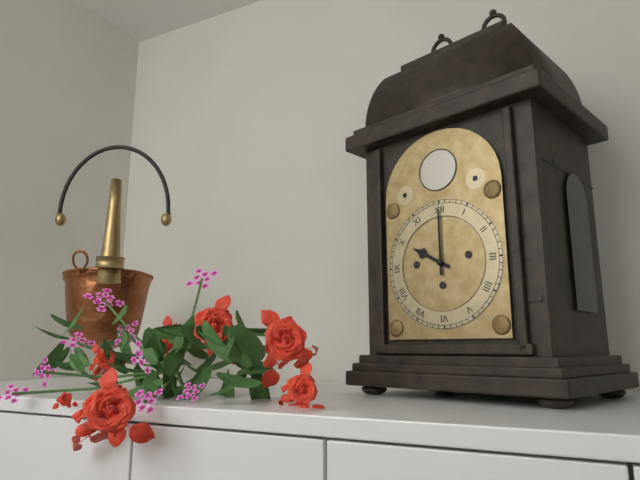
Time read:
10:00
